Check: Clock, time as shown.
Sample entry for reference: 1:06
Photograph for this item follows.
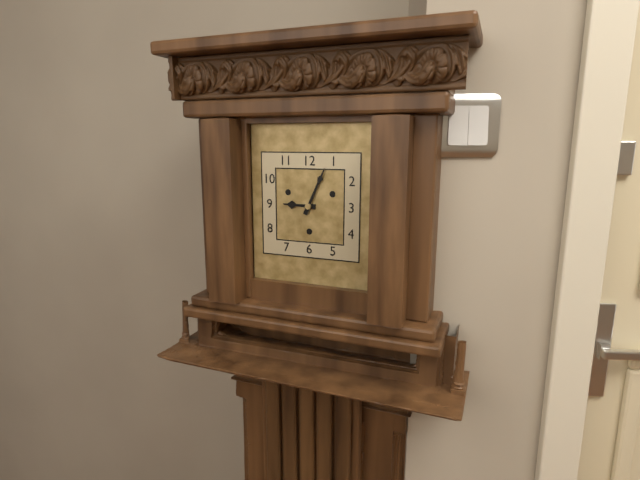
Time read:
9:04
